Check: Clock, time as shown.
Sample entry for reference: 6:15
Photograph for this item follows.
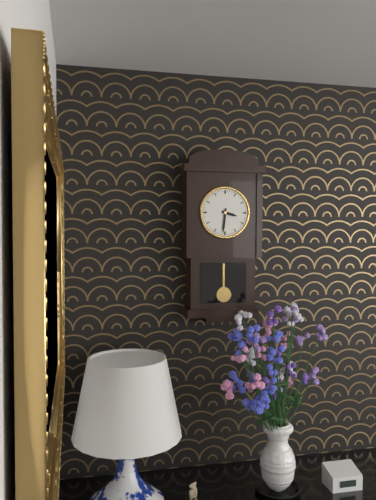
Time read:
3:31
